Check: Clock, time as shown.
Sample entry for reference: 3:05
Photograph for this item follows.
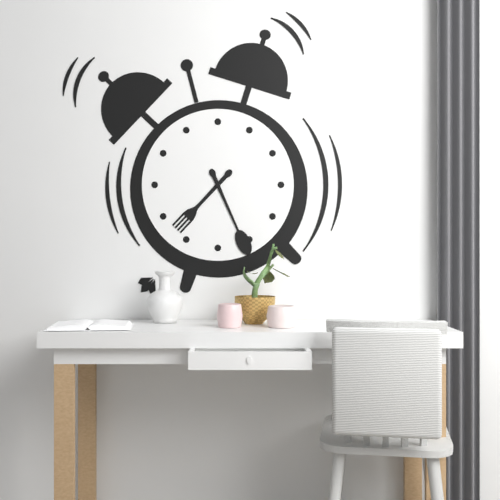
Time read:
7:26
